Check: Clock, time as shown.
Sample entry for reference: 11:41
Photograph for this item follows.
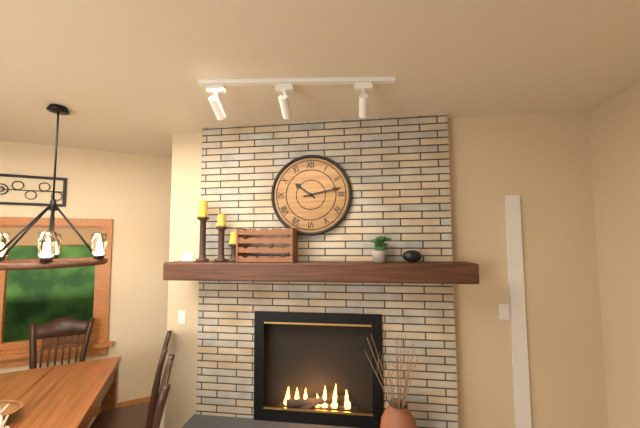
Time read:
10:13
